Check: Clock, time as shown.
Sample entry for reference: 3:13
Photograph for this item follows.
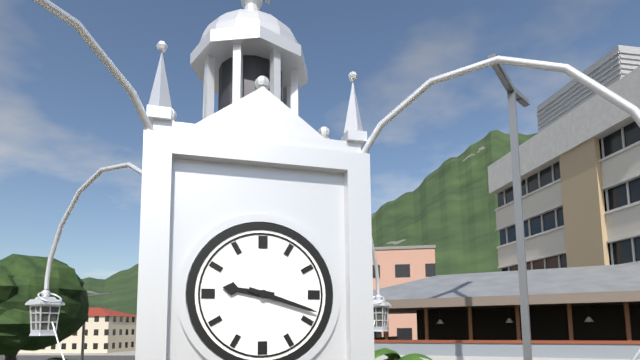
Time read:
9:18
